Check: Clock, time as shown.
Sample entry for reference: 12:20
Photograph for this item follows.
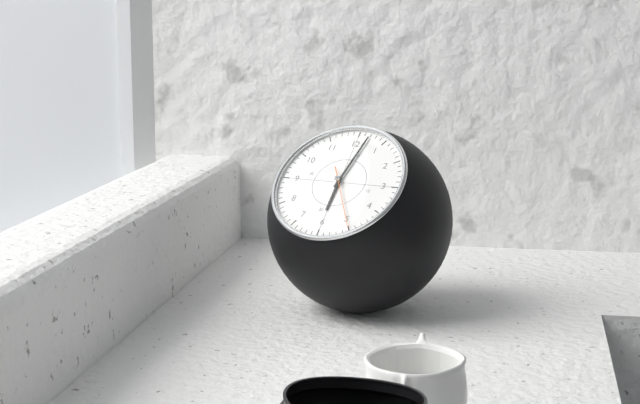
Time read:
6:02
